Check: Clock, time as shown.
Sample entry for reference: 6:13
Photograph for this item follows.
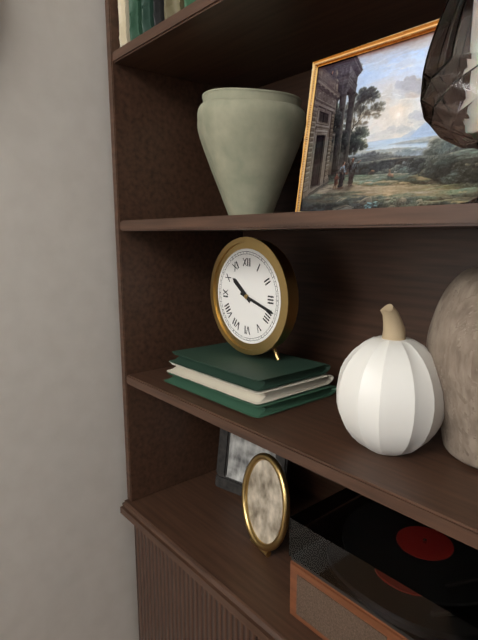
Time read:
10:18
